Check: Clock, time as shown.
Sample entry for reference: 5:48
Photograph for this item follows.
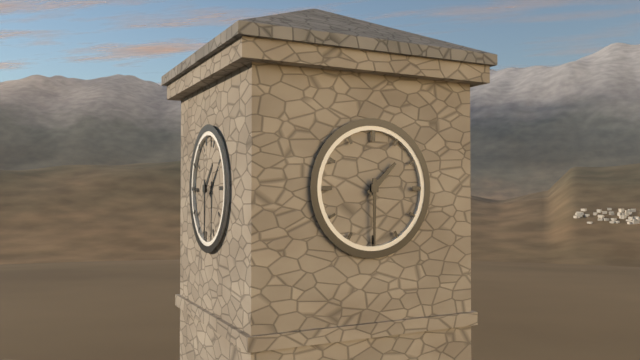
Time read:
1:30
